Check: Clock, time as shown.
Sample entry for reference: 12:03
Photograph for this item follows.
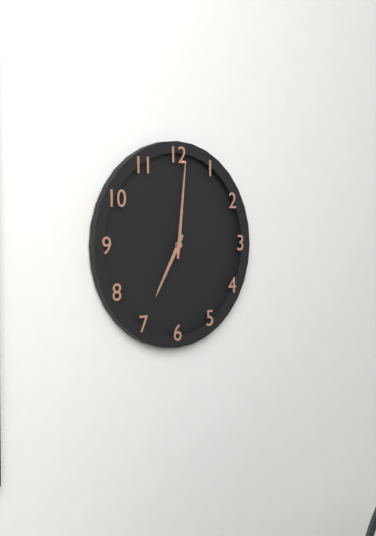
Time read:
7:01
